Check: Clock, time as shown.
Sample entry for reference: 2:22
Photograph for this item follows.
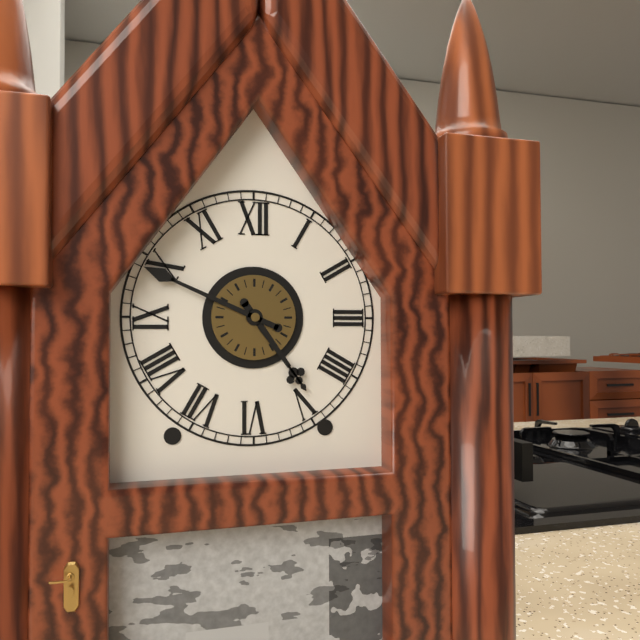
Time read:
4:49
